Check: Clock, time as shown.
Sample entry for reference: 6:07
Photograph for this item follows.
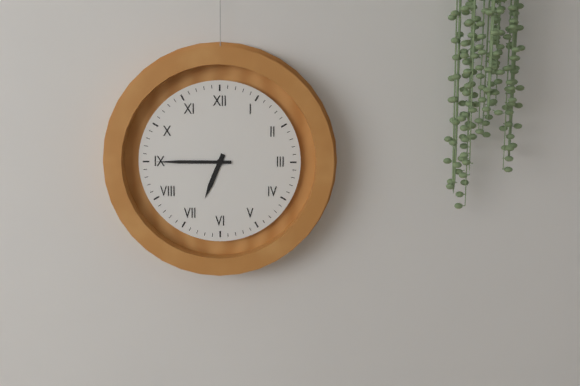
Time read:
6:45
